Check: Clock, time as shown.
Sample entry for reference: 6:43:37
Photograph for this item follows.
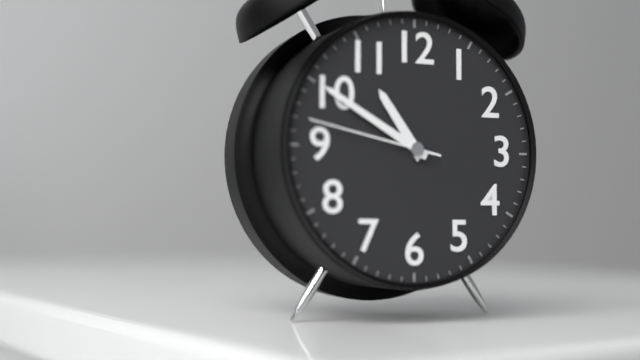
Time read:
10:50:47
